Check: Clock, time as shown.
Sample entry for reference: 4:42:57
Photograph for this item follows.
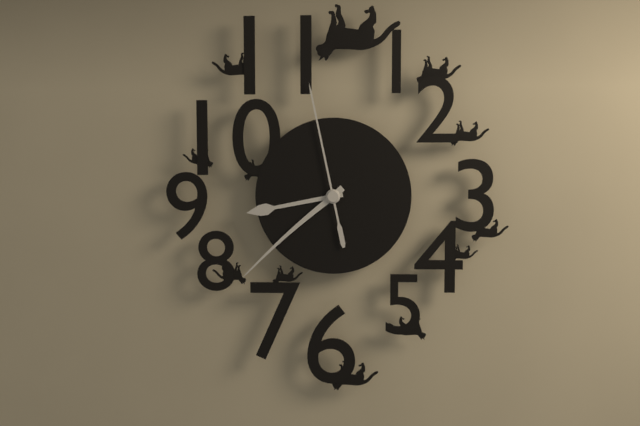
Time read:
8:38:58
